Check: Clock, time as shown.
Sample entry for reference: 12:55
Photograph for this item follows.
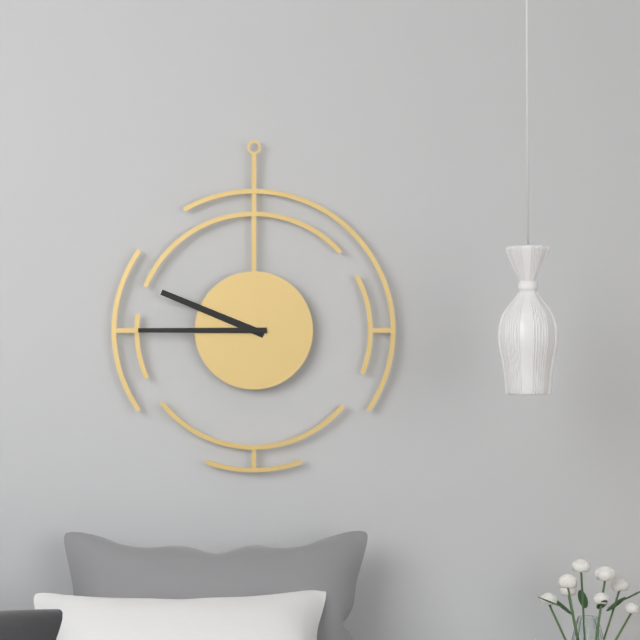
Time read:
9:45
